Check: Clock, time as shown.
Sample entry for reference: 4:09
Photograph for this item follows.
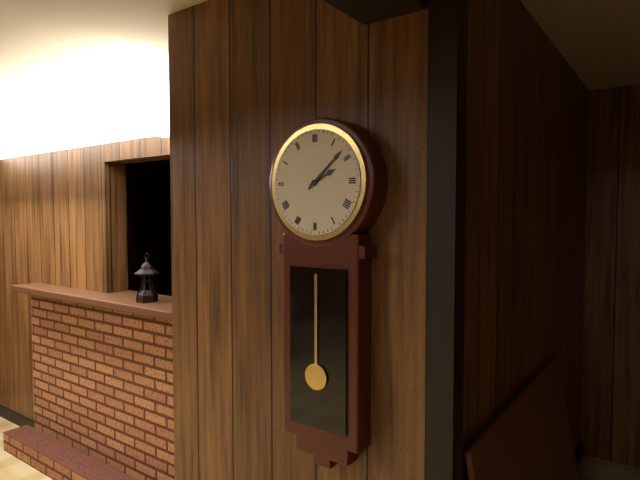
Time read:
2:08
